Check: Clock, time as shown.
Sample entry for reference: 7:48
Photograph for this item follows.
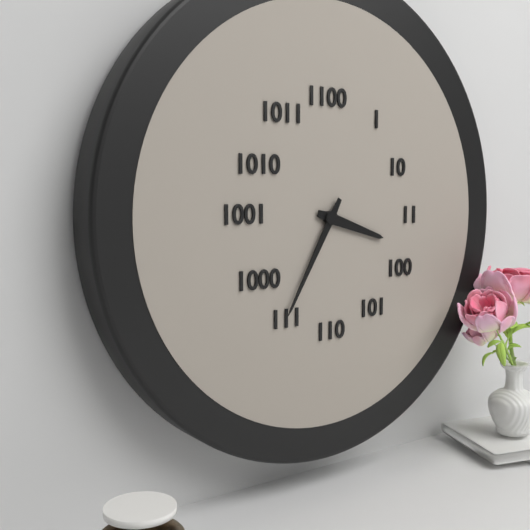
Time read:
3:35
